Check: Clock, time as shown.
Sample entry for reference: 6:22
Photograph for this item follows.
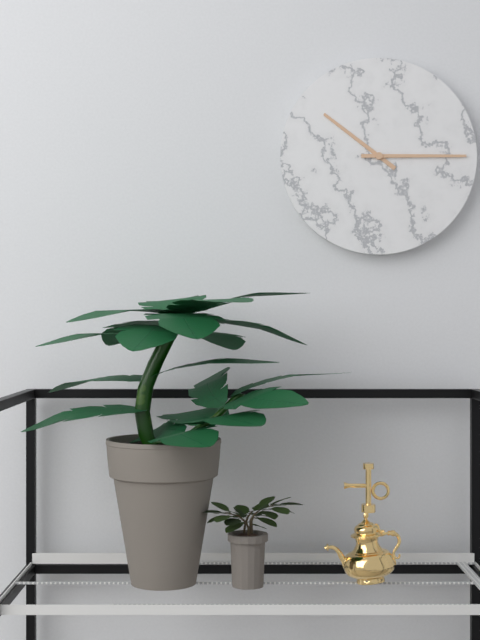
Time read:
10:15
